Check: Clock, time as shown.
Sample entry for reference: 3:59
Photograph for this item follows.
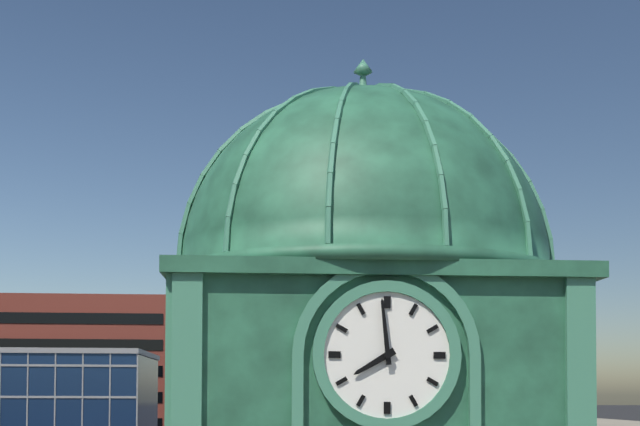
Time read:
7:59
